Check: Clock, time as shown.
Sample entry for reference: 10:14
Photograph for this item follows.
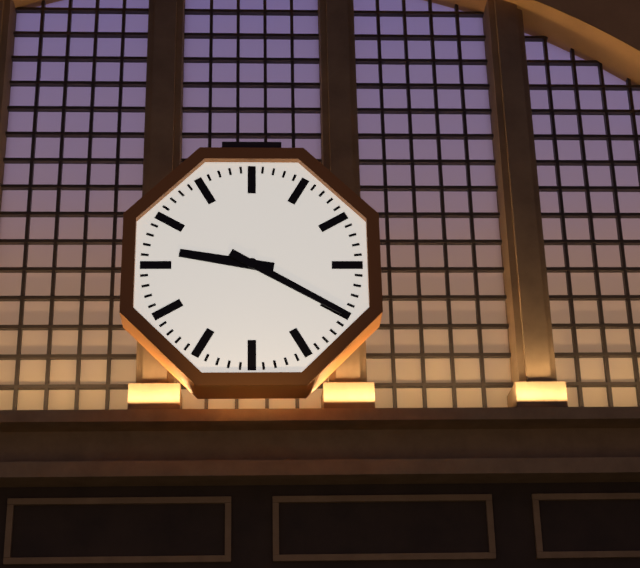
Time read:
9:20
